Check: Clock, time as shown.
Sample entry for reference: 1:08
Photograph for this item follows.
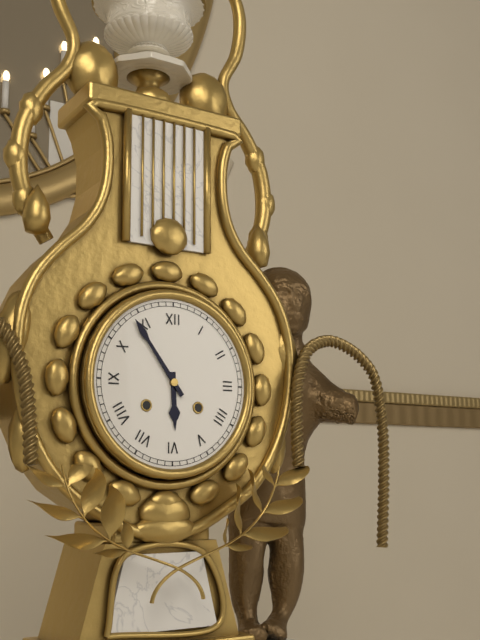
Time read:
5:54
